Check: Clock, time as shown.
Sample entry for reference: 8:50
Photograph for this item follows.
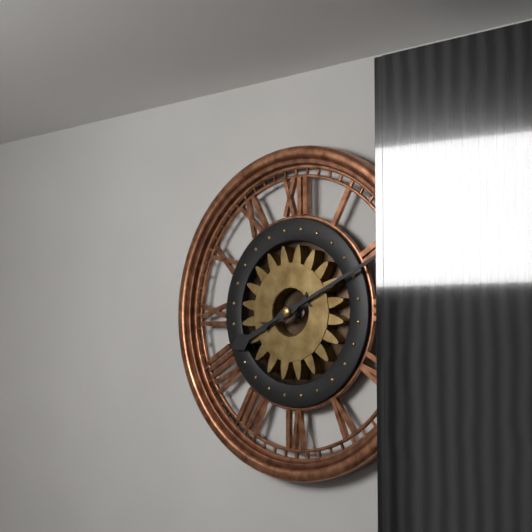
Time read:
8:11
